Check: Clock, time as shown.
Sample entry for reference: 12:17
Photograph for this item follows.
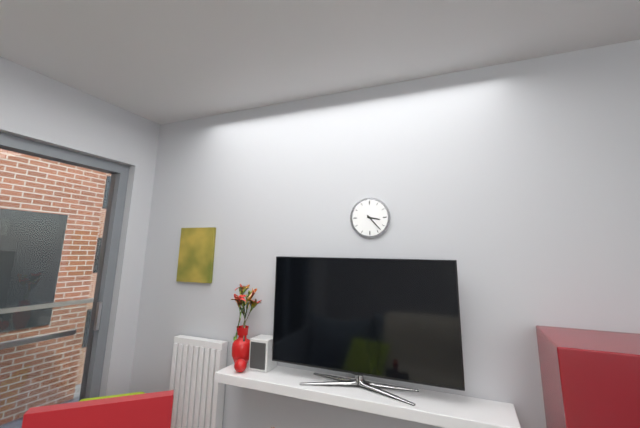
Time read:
3:23
